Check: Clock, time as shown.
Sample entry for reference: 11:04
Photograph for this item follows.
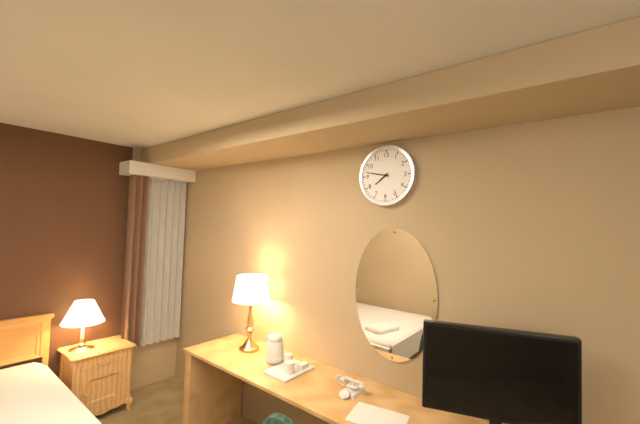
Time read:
7:47
